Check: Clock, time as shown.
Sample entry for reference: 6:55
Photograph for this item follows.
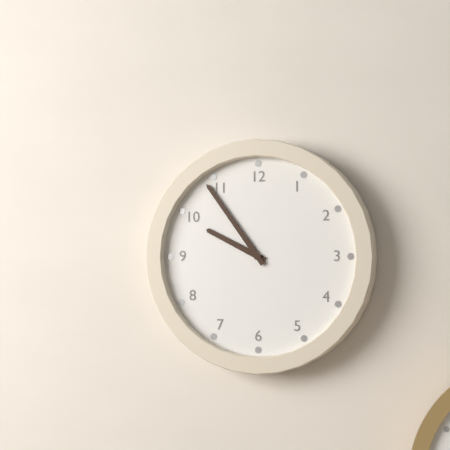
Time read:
9:54
